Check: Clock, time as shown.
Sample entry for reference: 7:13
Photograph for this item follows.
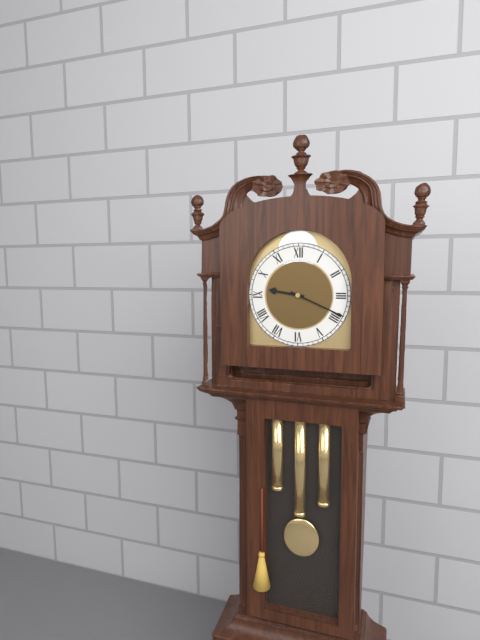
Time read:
9:19
